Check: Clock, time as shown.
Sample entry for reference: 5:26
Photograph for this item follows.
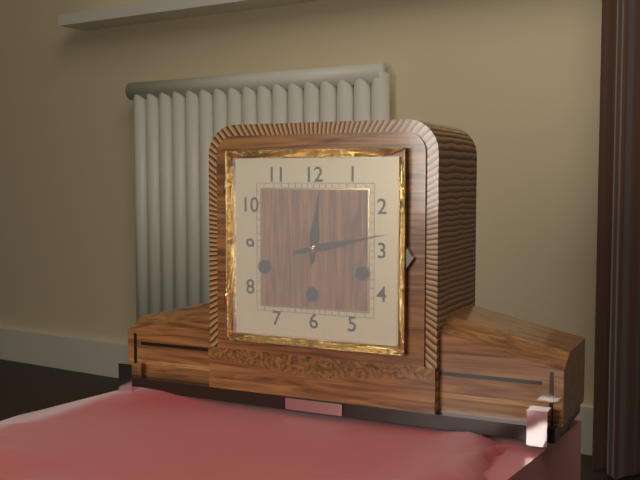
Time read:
12:13
